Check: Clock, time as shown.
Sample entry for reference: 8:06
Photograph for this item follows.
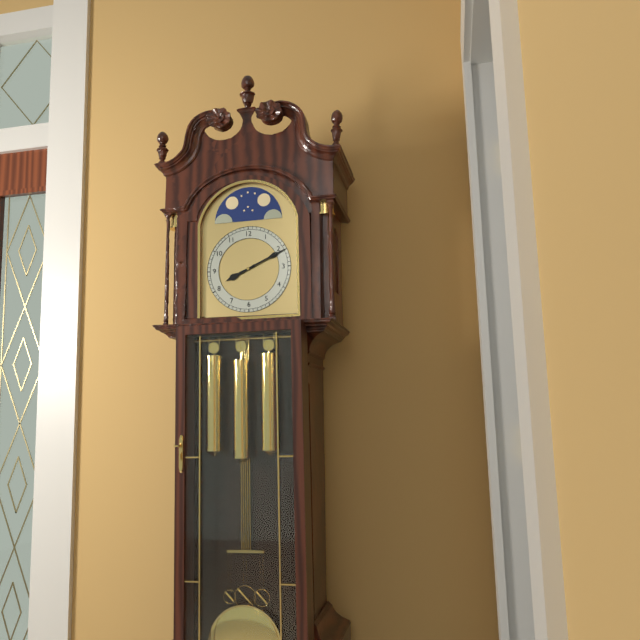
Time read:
8:11
